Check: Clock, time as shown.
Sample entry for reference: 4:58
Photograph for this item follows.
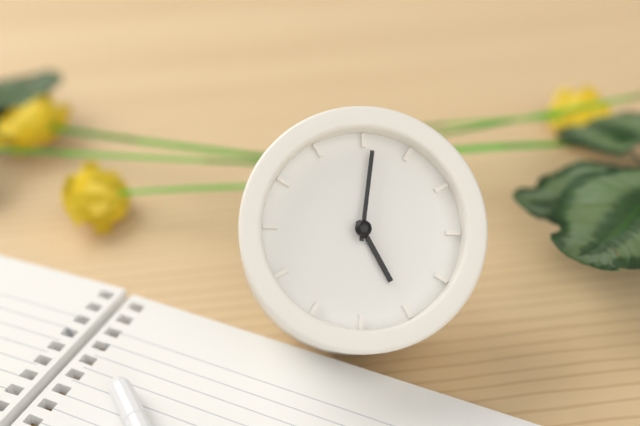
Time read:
5:01
